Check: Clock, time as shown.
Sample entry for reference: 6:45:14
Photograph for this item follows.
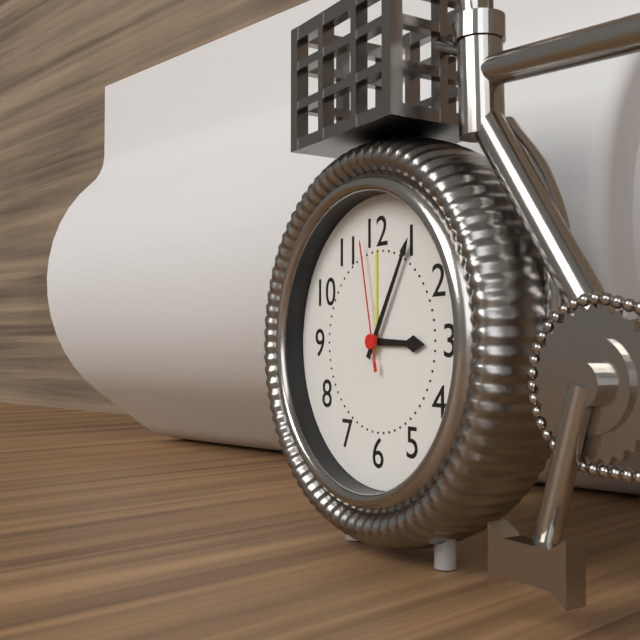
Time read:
3:05:58
